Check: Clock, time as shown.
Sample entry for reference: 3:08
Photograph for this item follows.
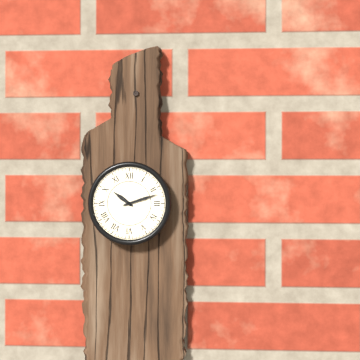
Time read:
10:12
